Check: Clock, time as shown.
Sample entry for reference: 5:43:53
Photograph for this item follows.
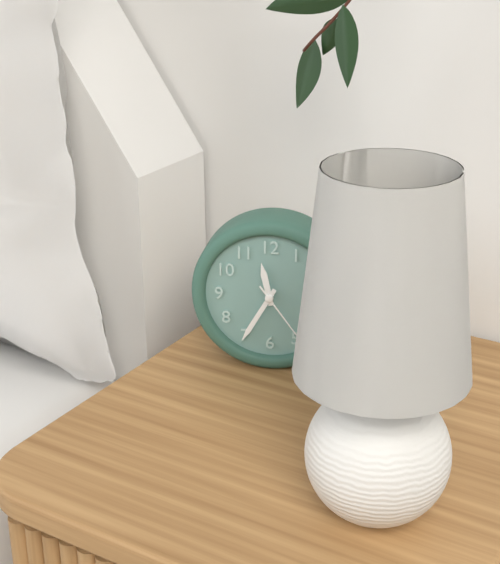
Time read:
11:35:24
